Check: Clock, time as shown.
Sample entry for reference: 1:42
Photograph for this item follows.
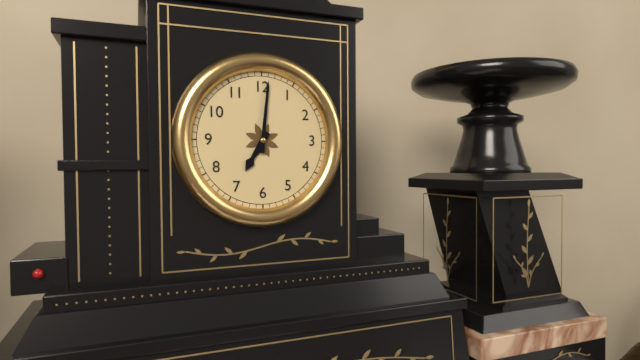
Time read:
7:01
